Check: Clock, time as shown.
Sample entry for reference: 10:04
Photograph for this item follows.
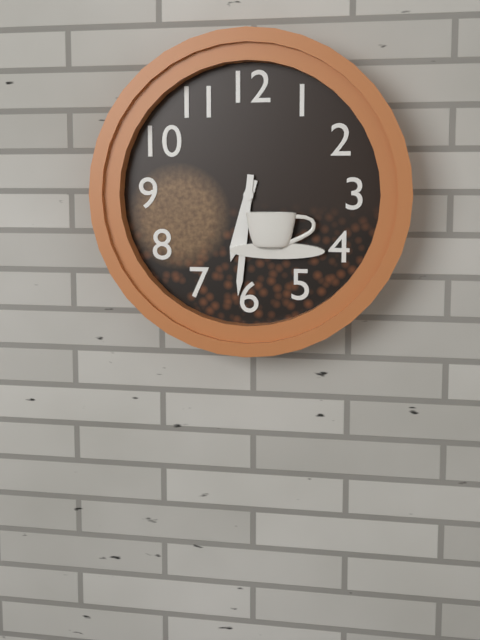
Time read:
6:31
